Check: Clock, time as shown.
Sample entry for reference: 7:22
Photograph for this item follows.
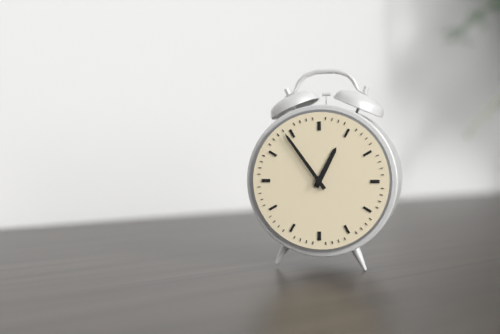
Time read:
12:54
